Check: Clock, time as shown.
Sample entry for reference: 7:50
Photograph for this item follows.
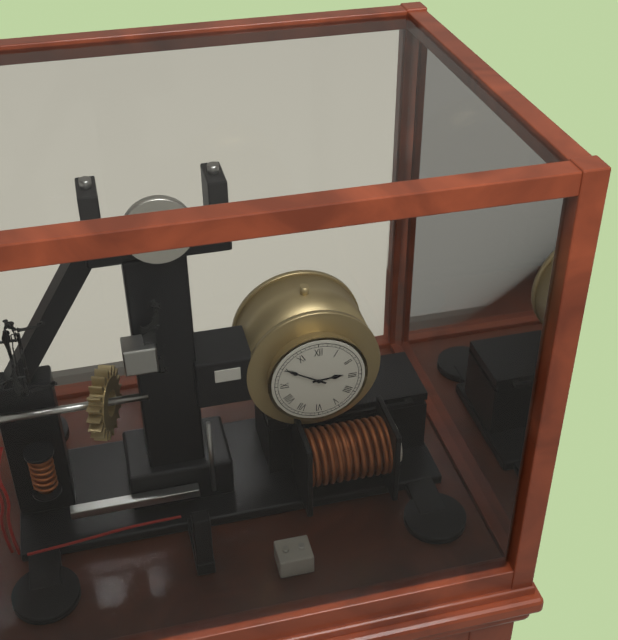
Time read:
2:50
